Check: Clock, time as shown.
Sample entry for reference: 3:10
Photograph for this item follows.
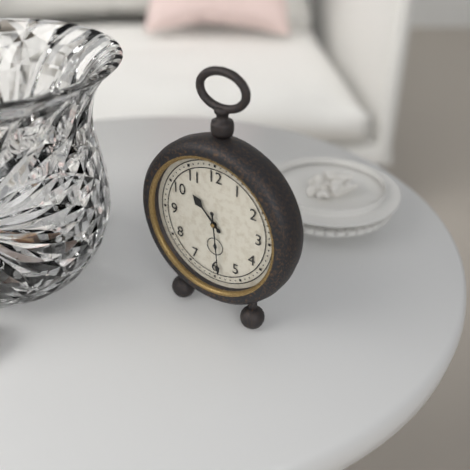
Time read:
10:29
